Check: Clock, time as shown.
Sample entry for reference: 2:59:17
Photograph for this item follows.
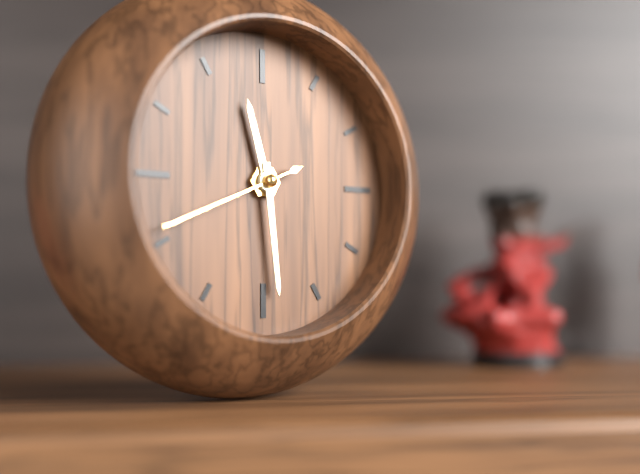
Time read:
11:29:41
